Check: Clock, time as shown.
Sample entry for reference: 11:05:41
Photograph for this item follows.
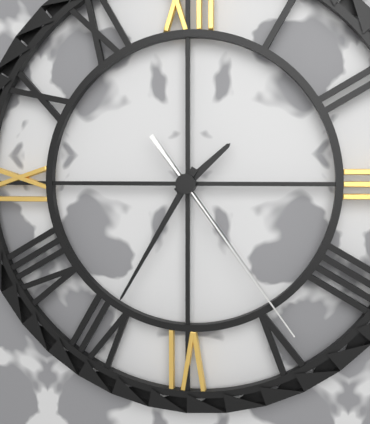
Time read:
1:35:24
